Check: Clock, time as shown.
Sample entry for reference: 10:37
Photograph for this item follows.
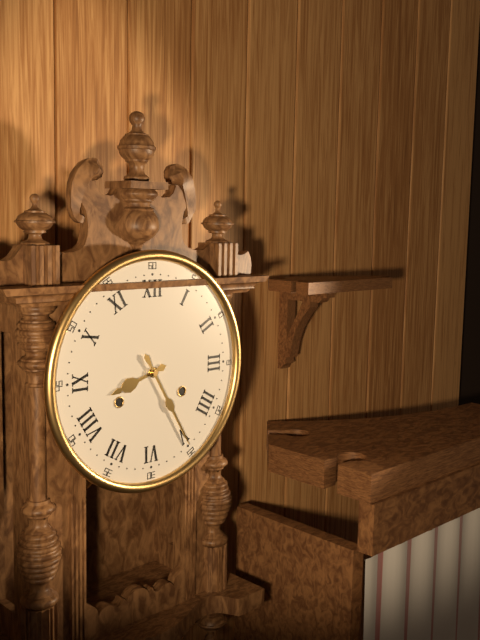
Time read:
8:25
